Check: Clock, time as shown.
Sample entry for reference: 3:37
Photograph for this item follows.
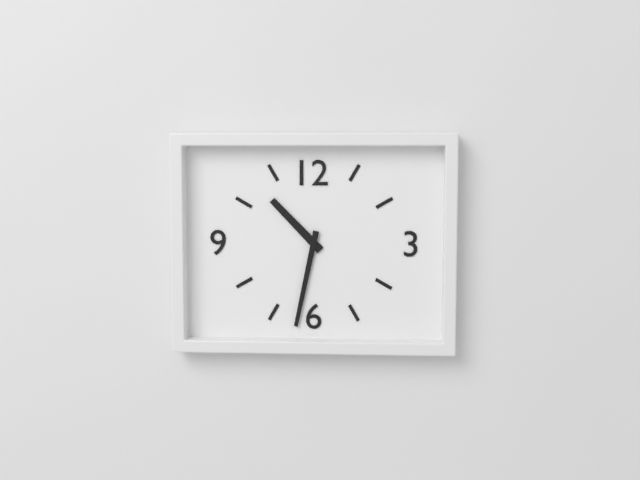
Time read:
10:32
